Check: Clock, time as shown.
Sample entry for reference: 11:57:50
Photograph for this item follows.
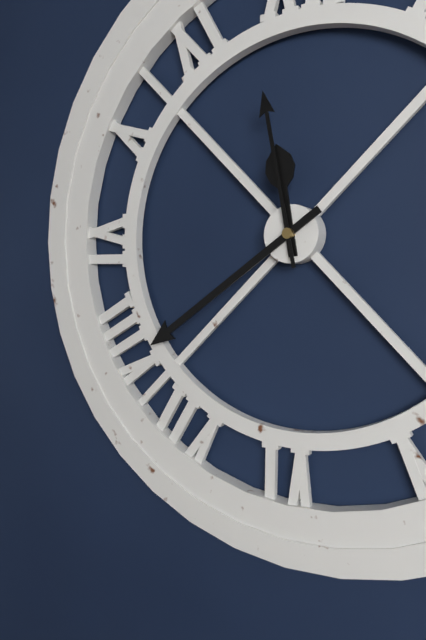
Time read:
11:39:58
